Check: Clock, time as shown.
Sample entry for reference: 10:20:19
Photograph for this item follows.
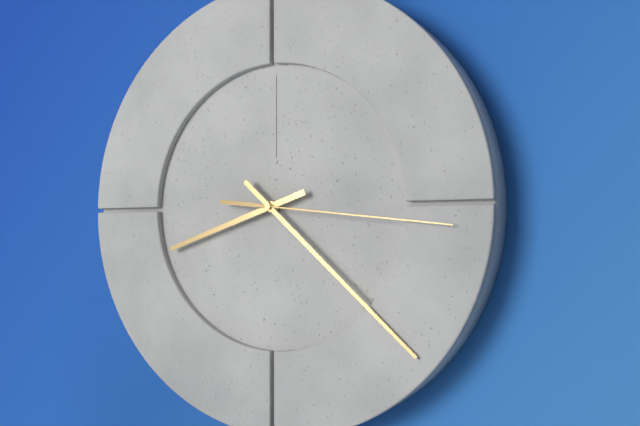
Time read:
8:22:16
